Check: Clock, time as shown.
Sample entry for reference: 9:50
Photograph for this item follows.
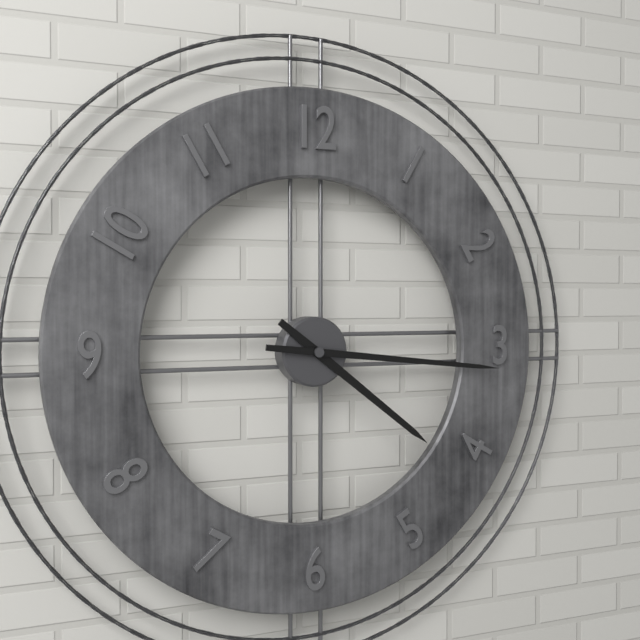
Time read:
4:16
